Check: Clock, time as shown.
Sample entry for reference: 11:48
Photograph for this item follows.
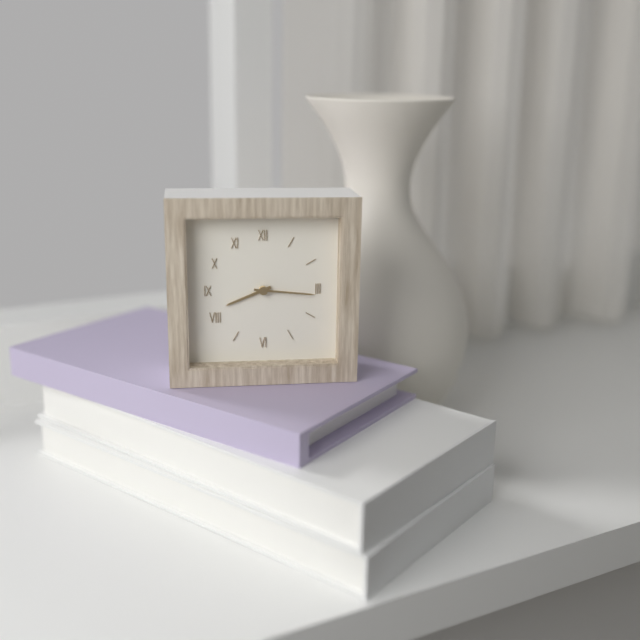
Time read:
8:16
